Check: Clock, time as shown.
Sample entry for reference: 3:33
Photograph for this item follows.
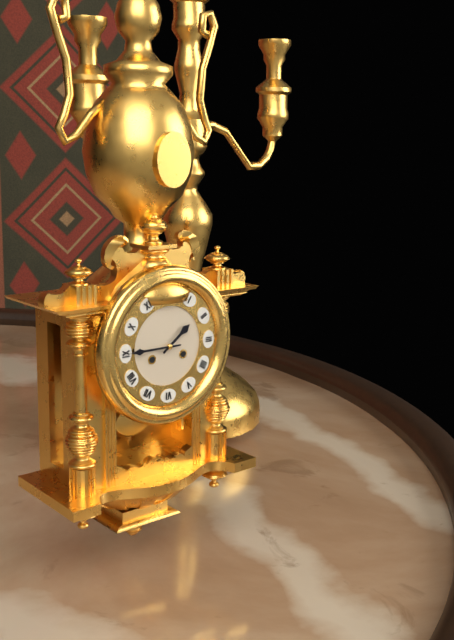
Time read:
1:45
